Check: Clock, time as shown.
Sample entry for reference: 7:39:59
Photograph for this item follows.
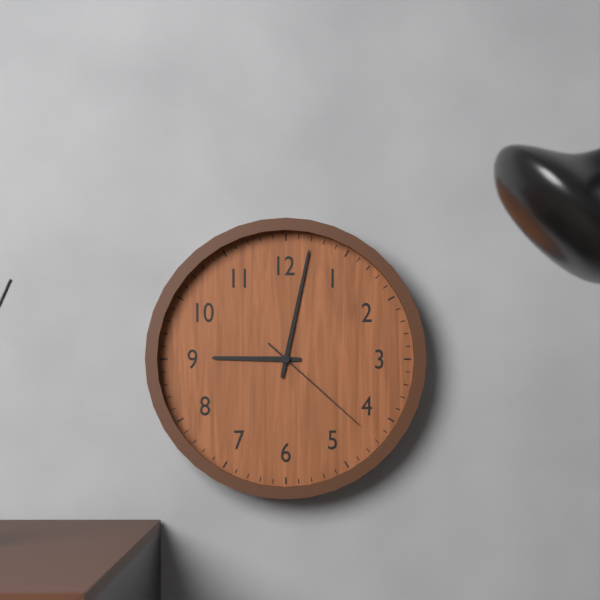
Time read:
9:02:22
